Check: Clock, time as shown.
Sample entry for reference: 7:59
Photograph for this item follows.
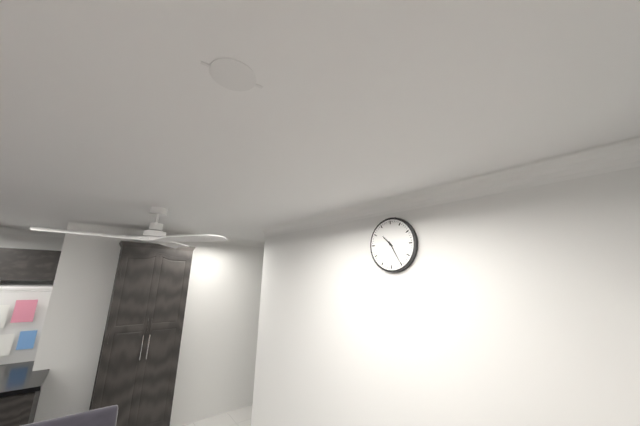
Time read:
10:25
